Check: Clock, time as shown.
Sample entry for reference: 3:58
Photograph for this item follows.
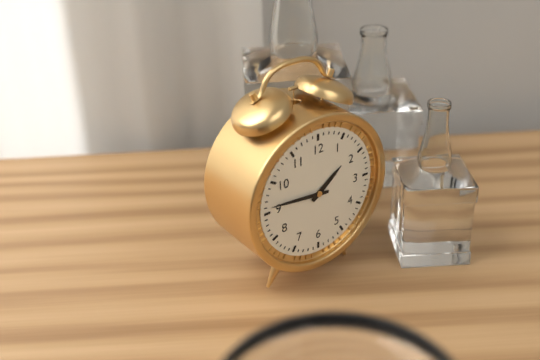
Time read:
1:46
